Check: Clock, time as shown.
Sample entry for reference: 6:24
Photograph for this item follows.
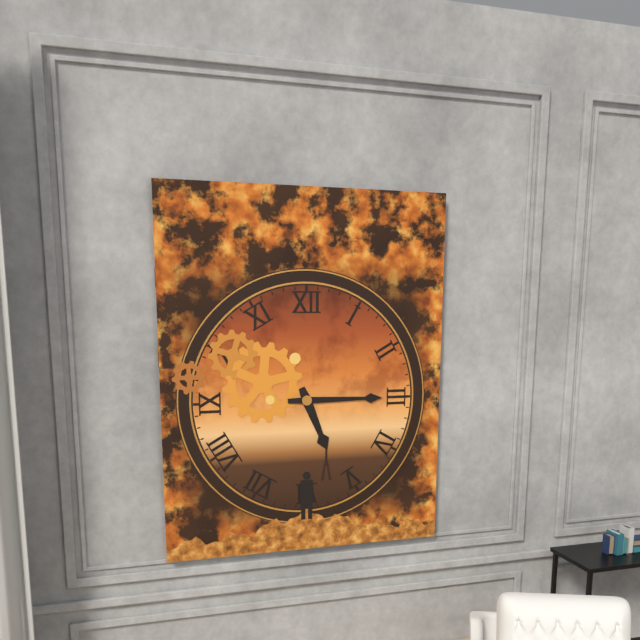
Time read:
5:15
